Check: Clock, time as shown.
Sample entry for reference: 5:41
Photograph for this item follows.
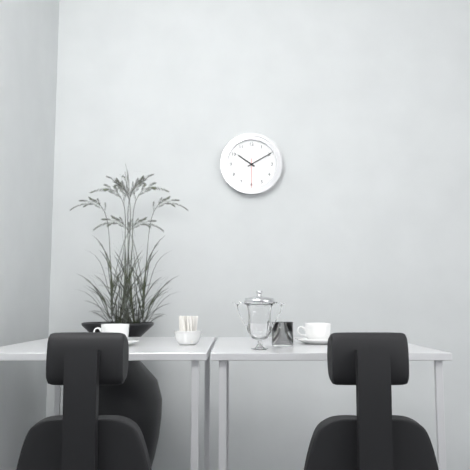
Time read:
10:10
